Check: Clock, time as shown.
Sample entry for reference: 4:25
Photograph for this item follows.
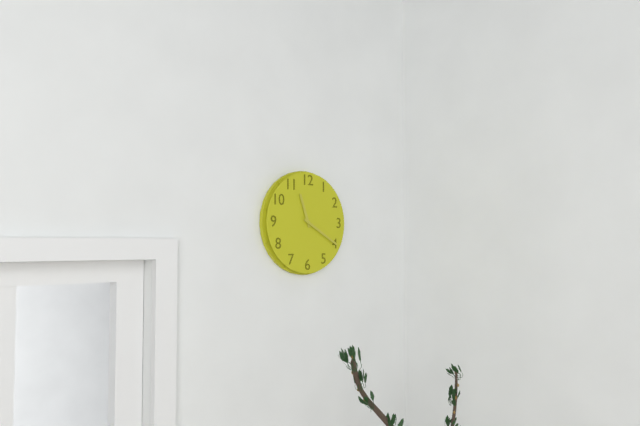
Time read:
11:20
